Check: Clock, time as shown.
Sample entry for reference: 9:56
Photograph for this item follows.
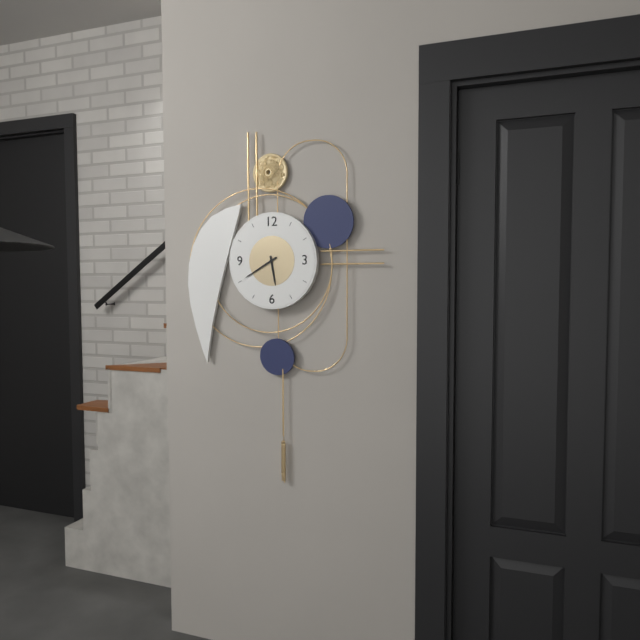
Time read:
5:40
